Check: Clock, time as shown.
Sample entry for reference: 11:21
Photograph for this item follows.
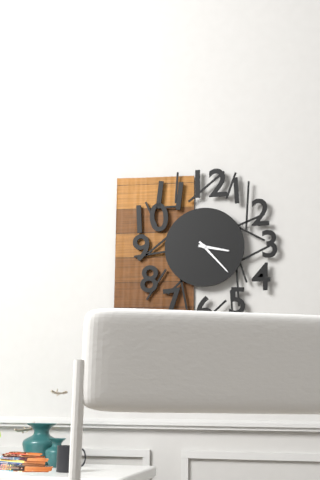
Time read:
3:23
